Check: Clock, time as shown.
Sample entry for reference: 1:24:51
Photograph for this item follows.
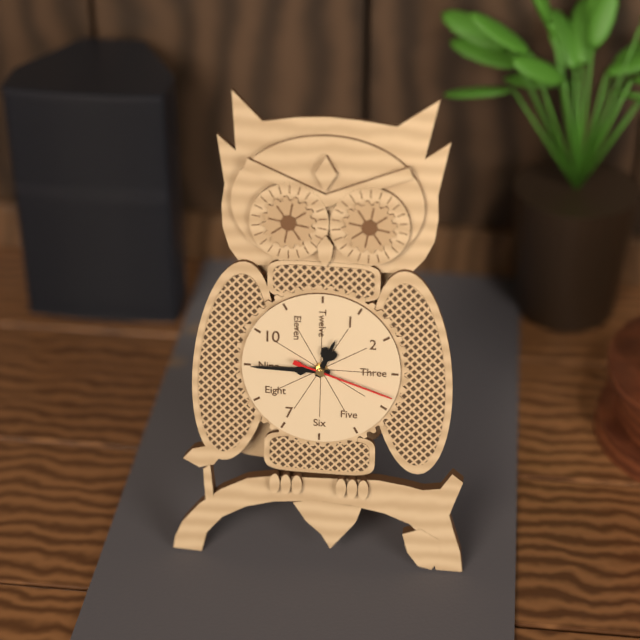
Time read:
12:45:18
